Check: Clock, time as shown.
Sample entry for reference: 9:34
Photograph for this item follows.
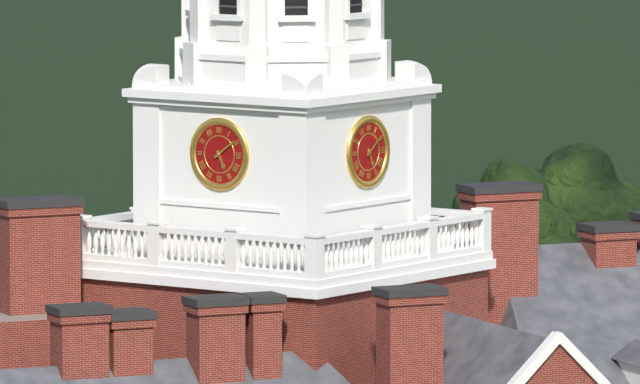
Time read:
5:09
